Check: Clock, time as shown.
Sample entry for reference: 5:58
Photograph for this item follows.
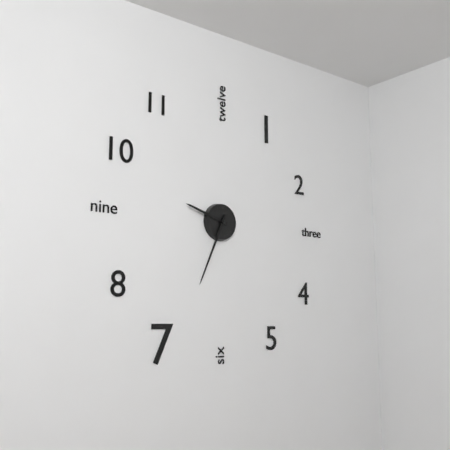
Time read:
9:34
